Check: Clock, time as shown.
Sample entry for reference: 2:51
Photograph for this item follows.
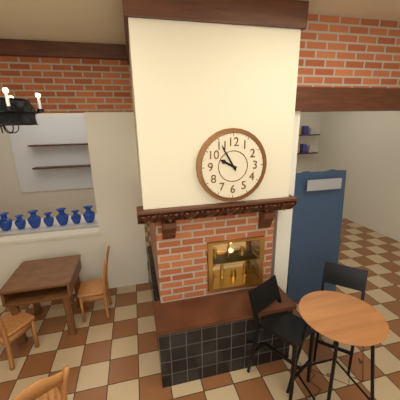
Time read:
9:55
